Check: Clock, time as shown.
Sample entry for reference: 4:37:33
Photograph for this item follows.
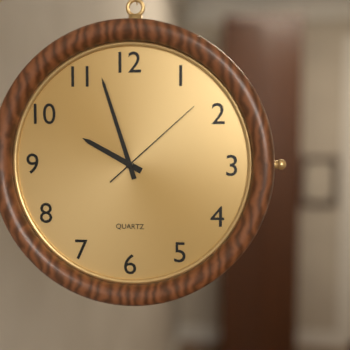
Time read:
9:57:08
